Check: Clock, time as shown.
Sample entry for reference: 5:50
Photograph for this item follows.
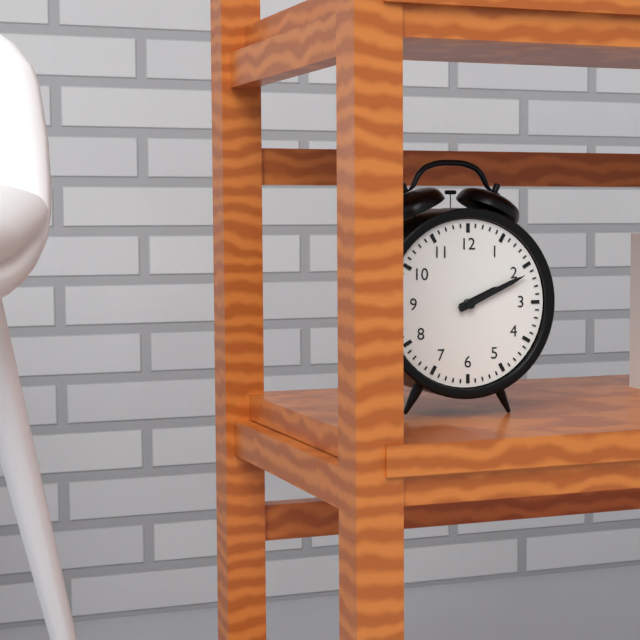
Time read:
2:11
